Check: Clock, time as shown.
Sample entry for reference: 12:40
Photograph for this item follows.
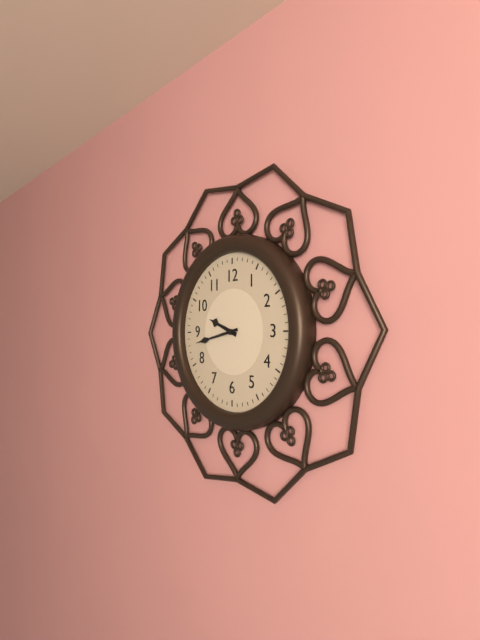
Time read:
9:43
